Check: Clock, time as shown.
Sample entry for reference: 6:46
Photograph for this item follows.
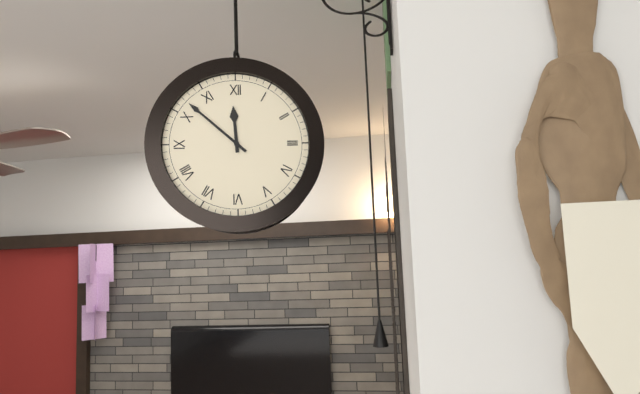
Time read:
11:52
